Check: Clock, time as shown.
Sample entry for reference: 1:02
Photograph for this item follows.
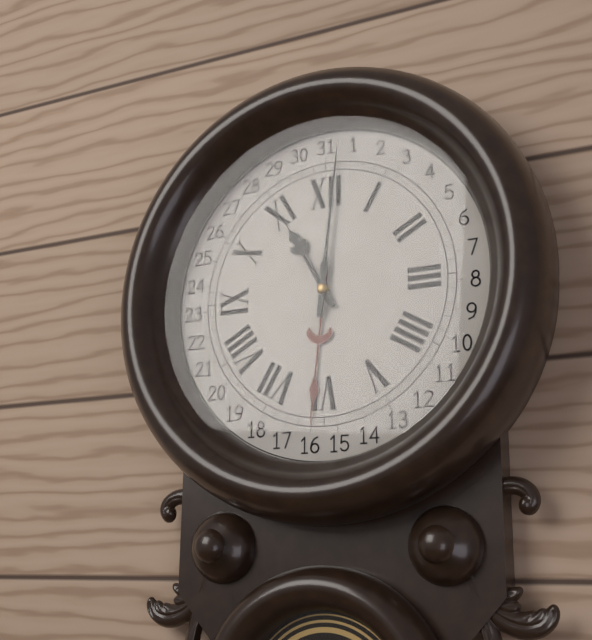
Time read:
11:01
